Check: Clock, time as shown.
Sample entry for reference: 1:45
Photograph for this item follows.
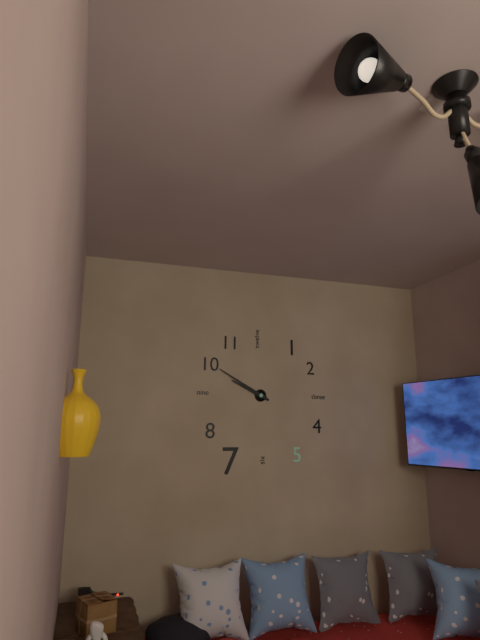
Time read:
9:50
